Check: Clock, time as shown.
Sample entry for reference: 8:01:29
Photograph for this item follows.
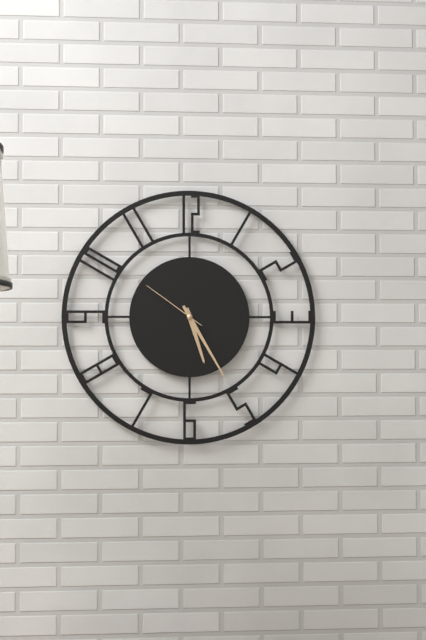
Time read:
5:25:51
